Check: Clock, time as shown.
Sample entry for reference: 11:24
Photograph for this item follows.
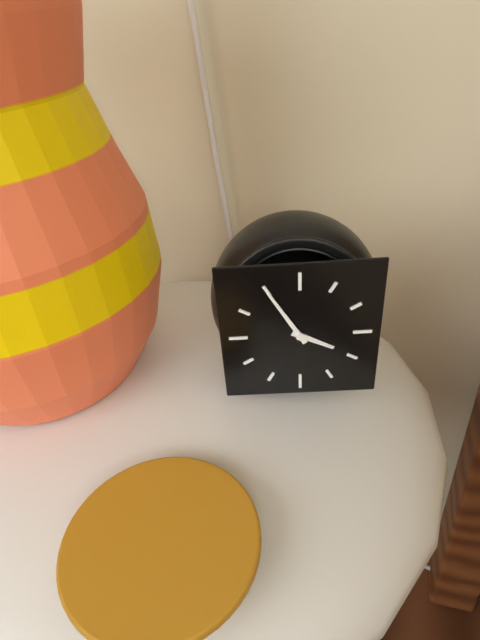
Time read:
3:55
